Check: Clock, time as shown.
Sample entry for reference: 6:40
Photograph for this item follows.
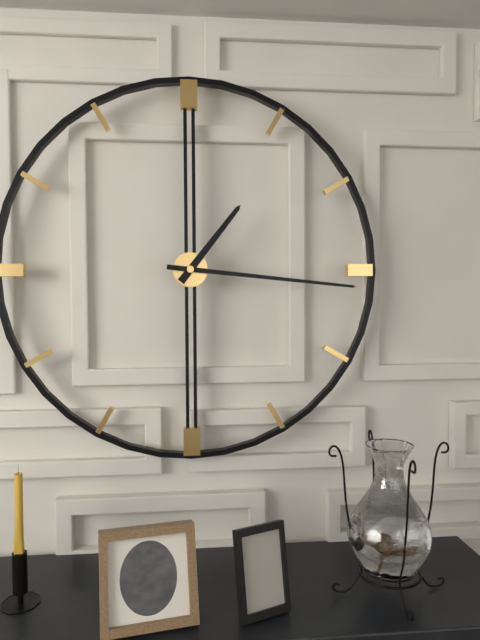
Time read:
1:16
